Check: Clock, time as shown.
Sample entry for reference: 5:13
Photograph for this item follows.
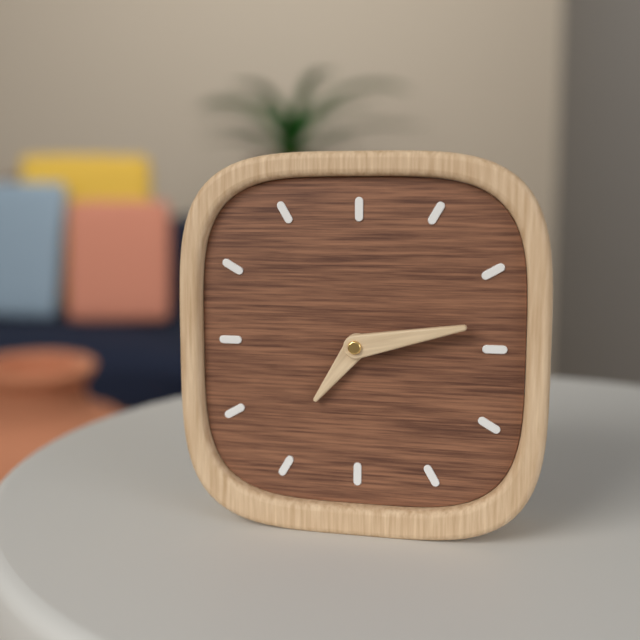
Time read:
7:13
